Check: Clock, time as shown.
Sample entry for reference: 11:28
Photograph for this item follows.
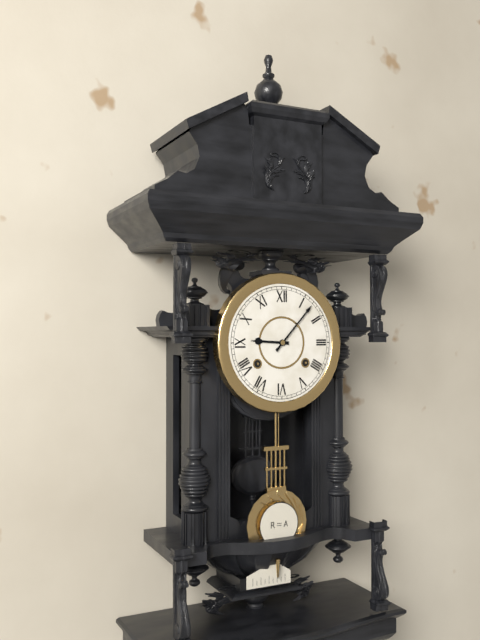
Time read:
9:07
